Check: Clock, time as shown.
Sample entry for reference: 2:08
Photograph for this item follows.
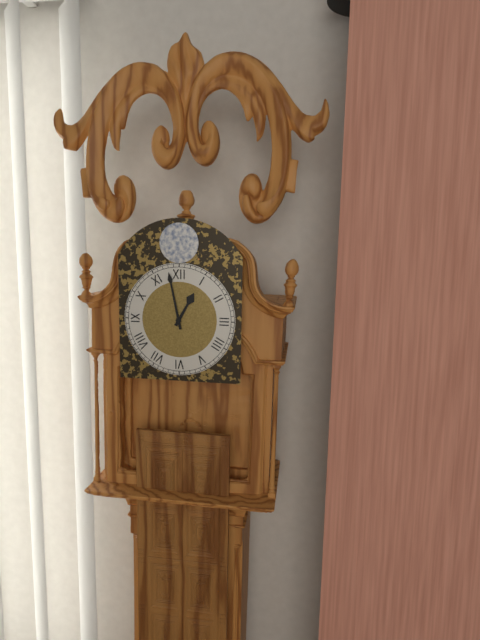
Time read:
12:58
